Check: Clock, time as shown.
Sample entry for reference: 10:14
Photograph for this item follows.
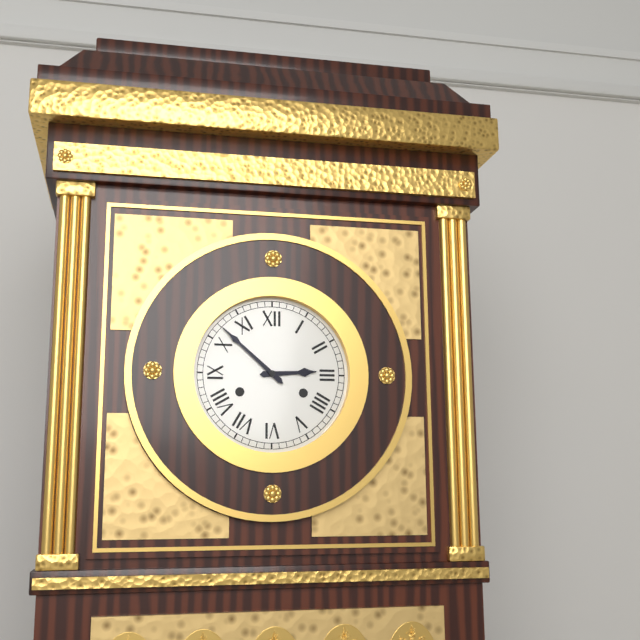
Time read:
2:52
